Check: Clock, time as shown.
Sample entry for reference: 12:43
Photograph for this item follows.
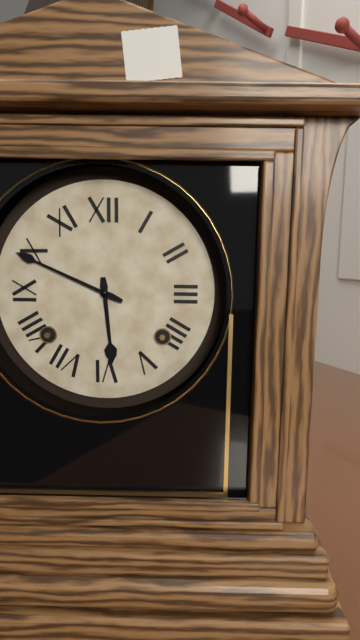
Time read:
5:49
